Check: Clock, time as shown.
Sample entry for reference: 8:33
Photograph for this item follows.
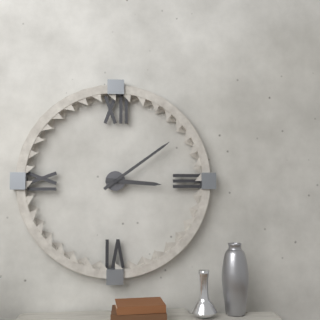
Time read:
3:09
